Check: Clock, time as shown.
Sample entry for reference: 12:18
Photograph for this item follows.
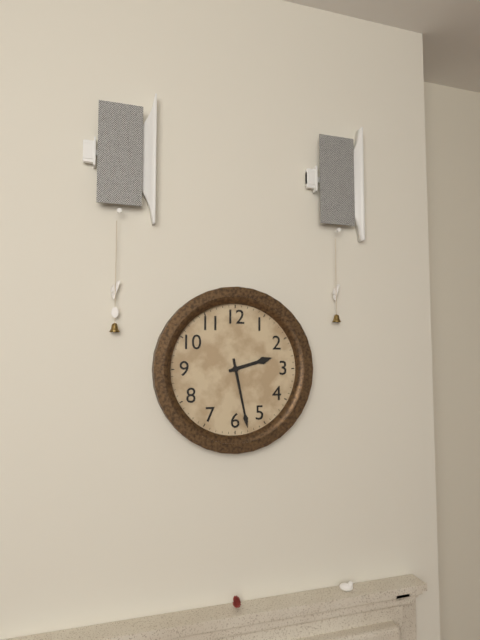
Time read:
2:28
